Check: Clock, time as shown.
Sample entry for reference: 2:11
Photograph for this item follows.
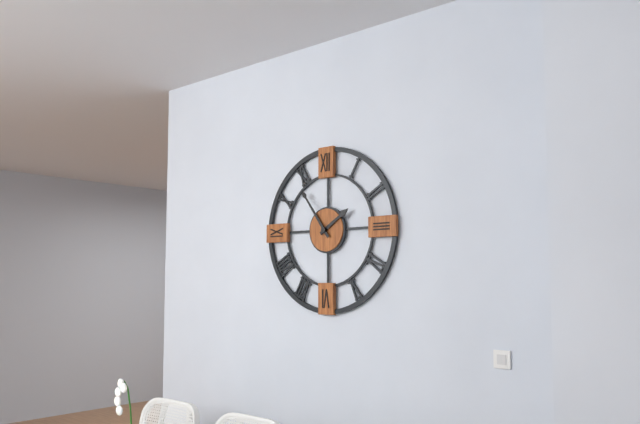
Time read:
1:54
